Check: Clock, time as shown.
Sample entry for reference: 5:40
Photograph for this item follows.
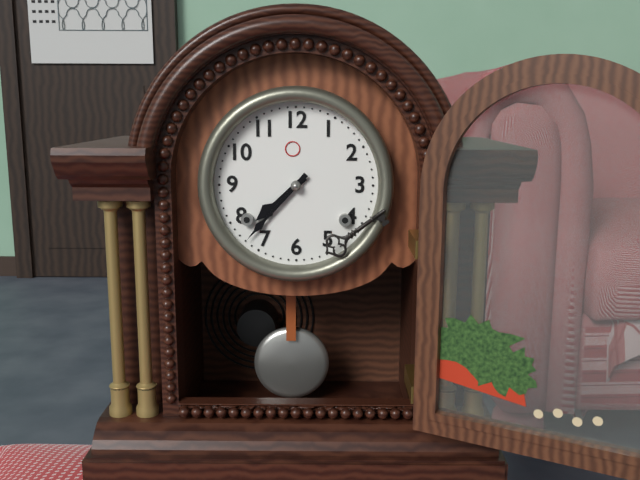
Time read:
7:37
